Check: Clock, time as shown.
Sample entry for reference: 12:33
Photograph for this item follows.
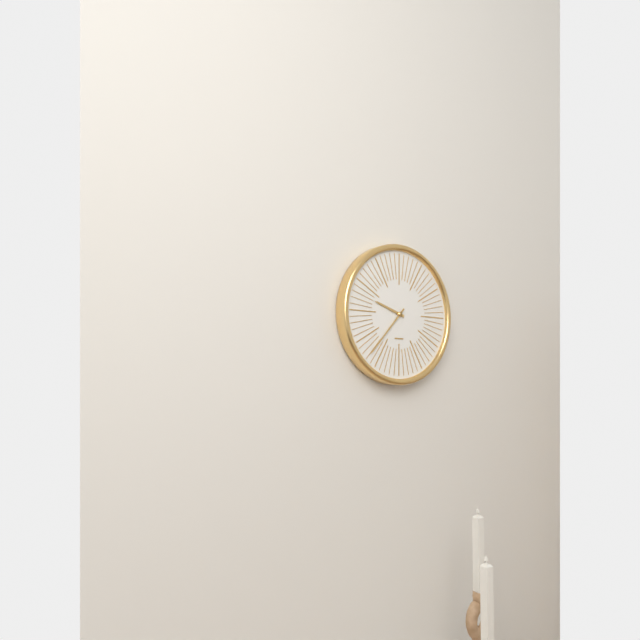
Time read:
9:37
